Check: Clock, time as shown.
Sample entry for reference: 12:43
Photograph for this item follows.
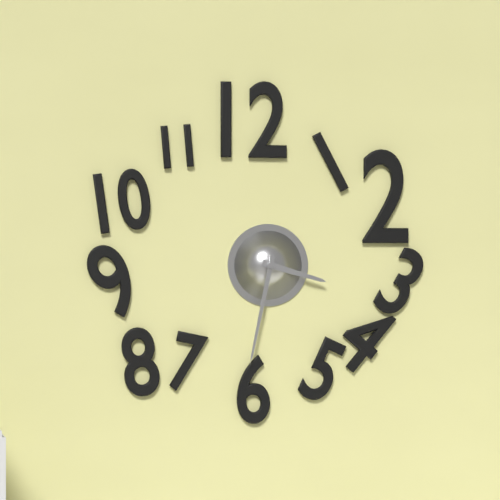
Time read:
3:32
